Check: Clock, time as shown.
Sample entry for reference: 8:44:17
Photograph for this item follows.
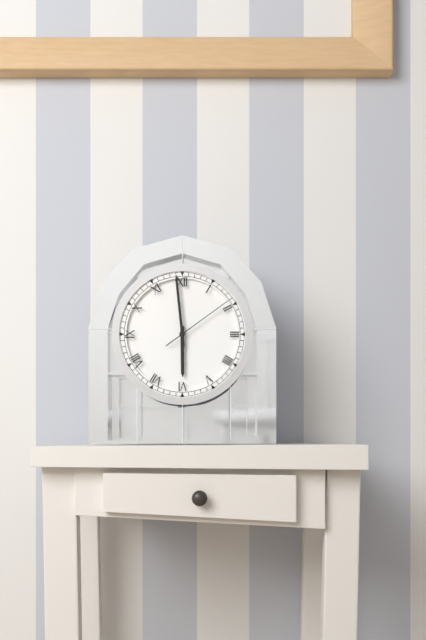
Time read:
5:59:09
